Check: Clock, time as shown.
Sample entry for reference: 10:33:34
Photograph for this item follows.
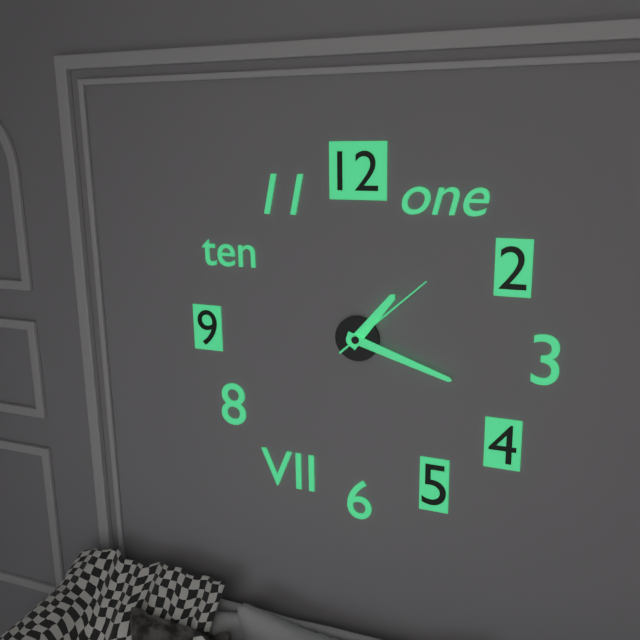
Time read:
1:18:08
